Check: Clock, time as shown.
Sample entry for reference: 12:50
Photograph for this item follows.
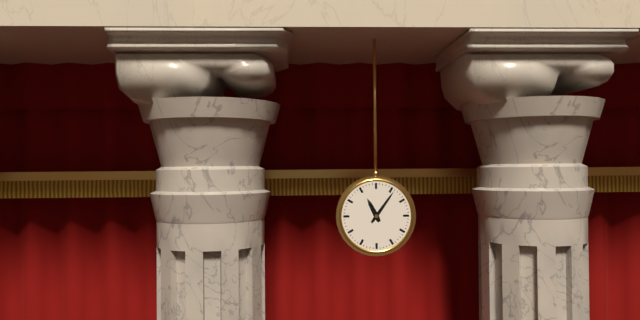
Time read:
11:06
